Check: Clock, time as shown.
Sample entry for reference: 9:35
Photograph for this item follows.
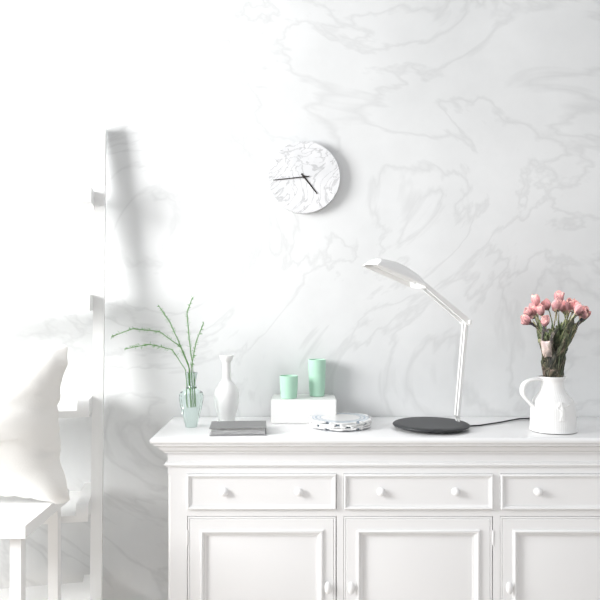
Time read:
4:44
